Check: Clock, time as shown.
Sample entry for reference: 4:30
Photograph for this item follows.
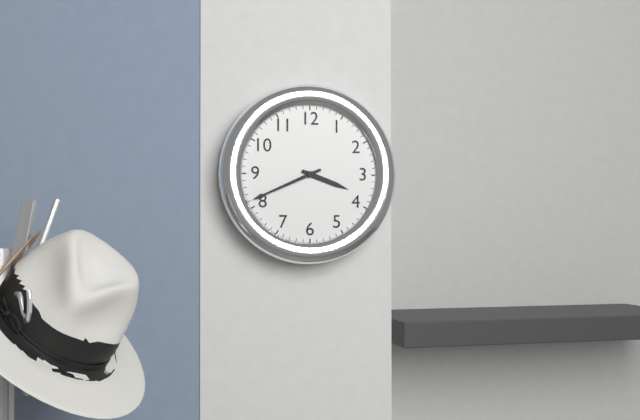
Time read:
3:41
